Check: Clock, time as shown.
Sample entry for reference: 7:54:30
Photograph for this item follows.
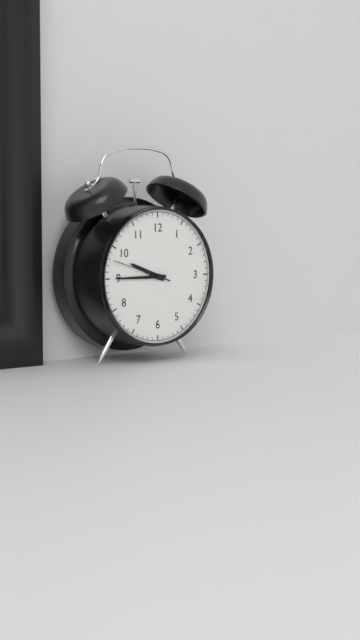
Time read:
9:45:48
